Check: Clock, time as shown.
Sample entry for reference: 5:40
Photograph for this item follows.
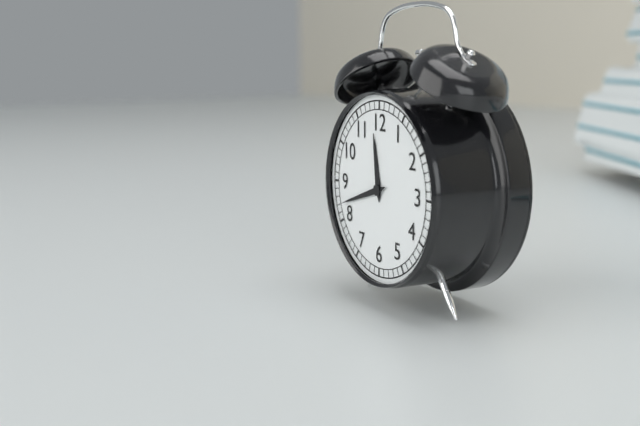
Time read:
11:42
